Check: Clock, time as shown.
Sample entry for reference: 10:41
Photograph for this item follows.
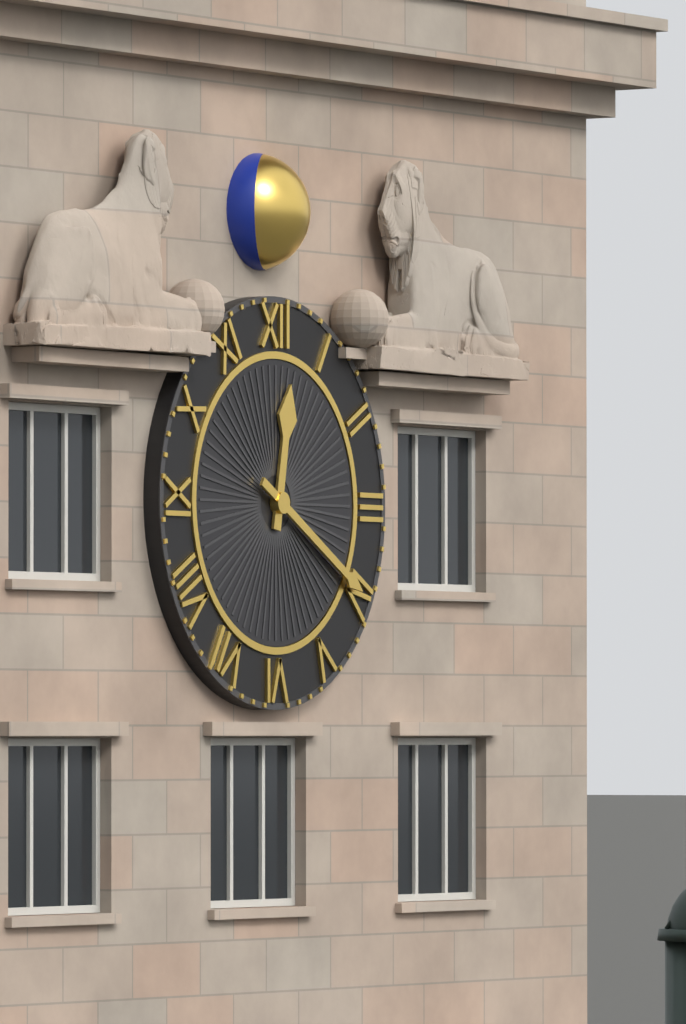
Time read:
12:20
